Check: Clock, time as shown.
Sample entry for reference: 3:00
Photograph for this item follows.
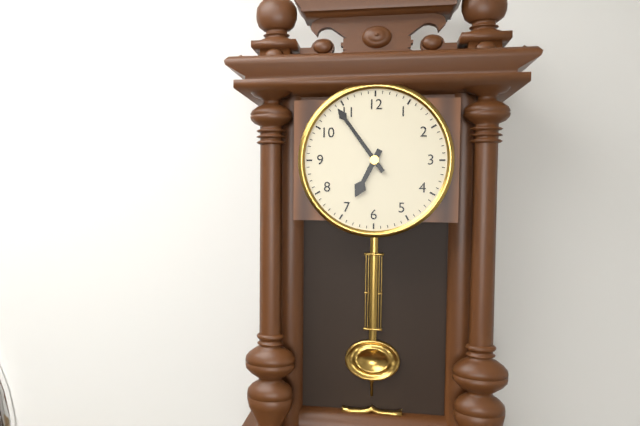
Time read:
6:54
